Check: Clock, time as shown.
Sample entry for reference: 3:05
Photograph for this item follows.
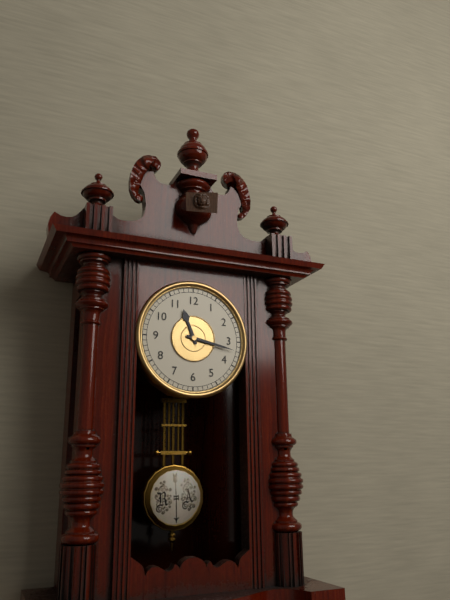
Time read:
11:17
